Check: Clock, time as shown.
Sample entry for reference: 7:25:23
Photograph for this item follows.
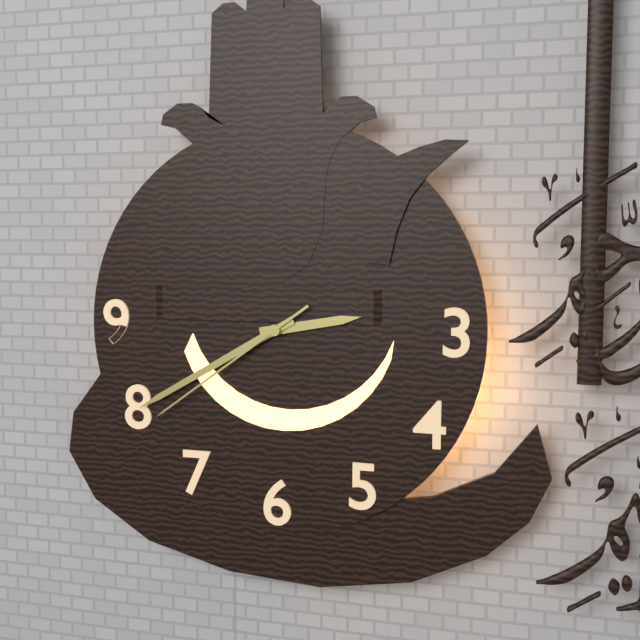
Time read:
2:40:39
